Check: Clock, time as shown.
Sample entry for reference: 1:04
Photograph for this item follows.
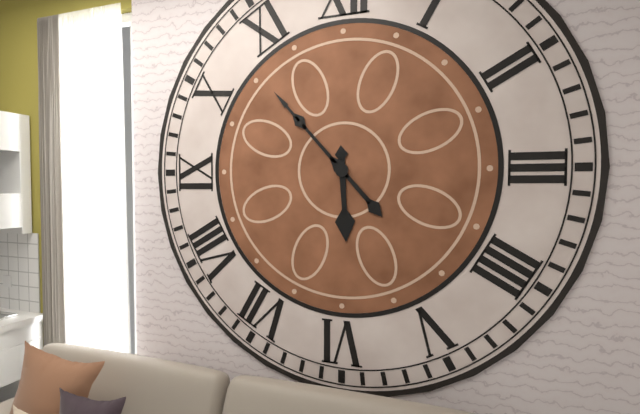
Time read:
5:53
